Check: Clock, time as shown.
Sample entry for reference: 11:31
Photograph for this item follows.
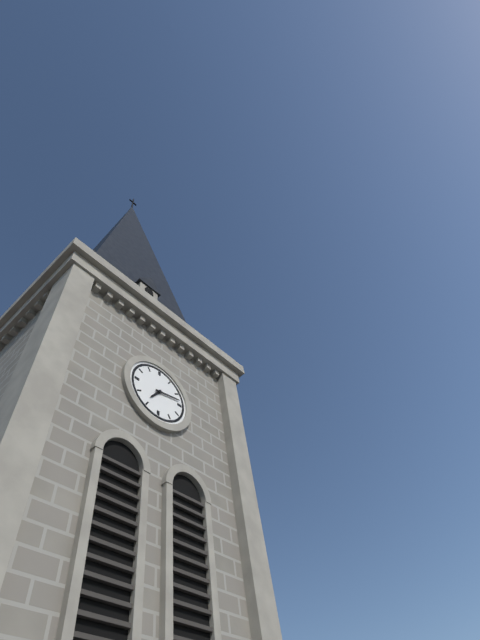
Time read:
7:13
